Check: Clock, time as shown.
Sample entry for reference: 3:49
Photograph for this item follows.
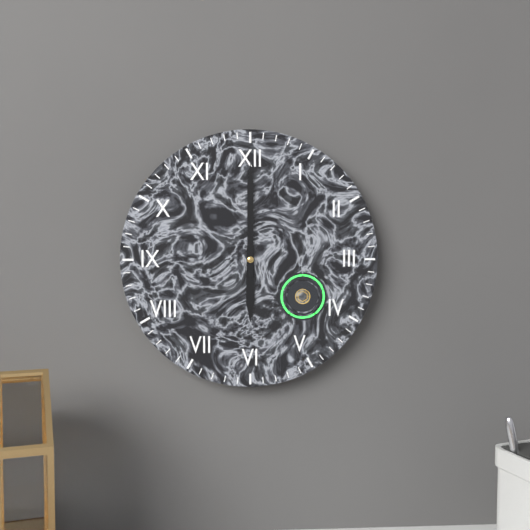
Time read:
6:00
